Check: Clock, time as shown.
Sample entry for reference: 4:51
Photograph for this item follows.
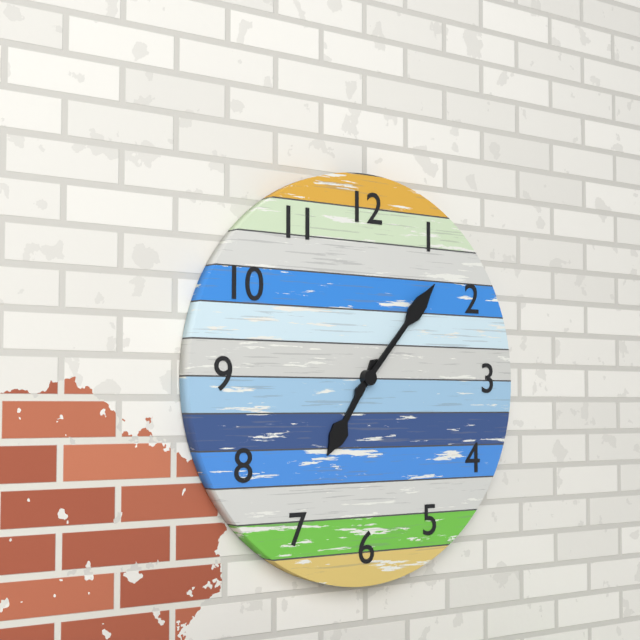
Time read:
7:07
